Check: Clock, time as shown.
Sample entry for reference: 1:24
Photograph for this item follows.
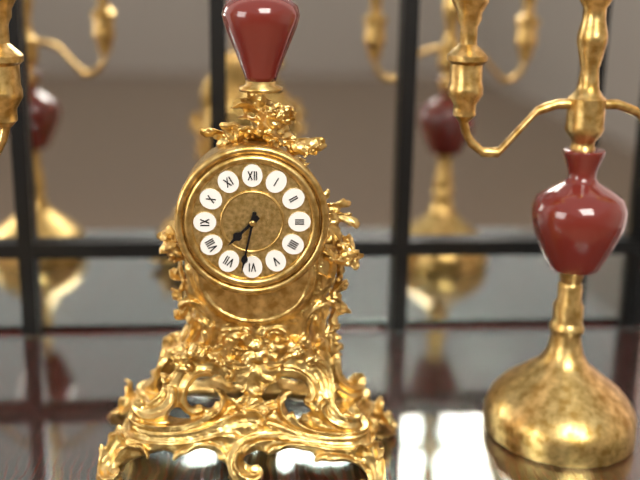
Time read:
7:32
